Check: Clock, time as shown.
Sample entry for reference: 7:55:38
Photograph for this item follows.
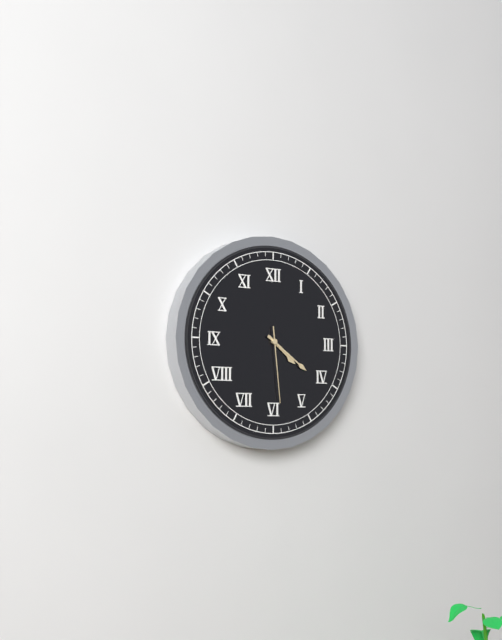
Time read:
4:21:29
